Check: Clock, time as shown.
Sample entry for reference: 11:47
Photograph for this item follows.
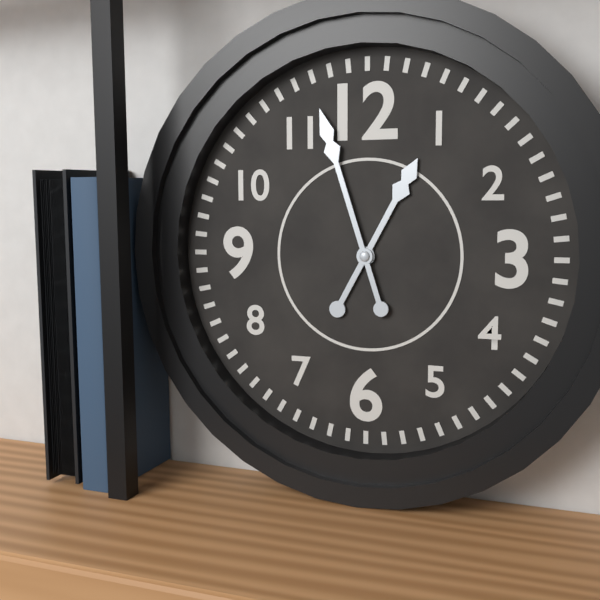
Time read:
12:57
